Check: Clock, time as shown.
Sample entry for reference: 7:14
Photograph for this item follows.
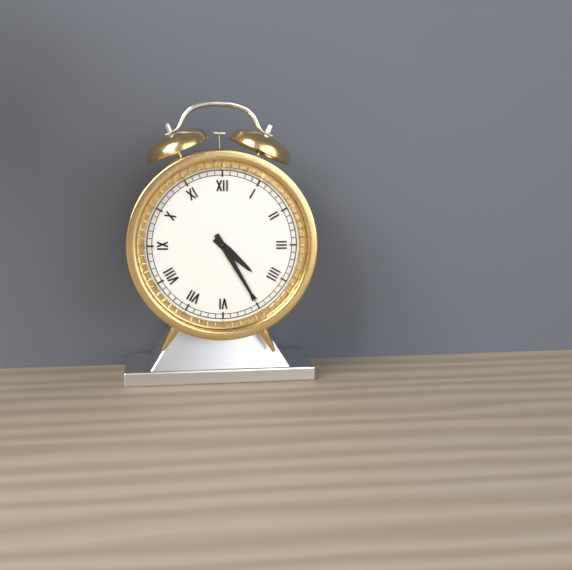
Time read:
4:25
